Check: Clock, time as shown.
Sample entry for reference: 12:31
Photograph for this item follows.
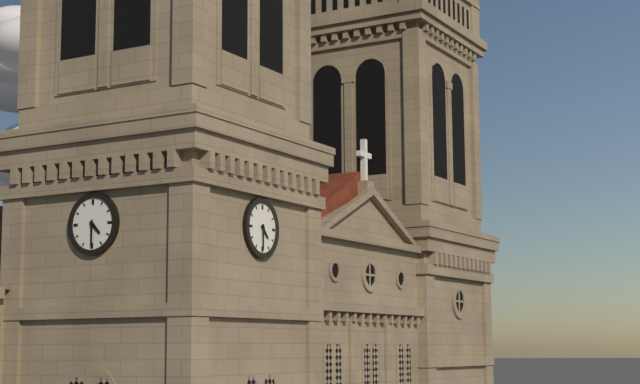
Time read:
4:30
